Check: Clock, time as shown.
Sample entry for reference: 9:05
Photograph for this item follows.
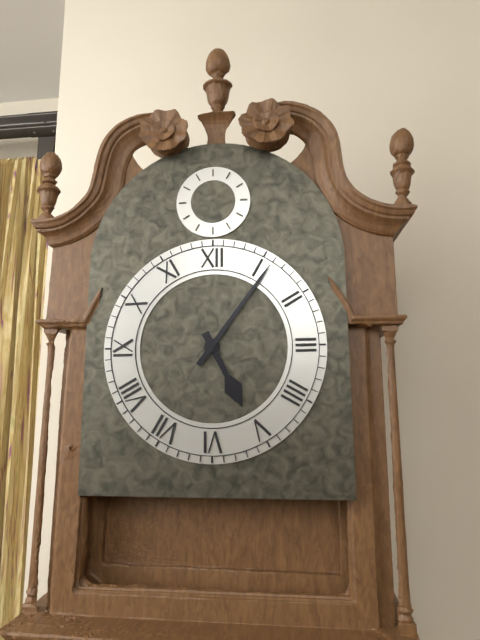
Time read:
5:06
